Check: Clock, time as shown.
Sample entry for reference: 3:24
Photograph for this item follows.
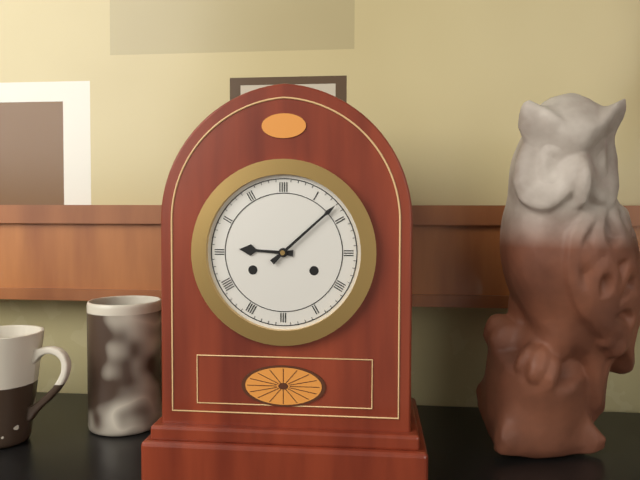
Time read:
9:08
